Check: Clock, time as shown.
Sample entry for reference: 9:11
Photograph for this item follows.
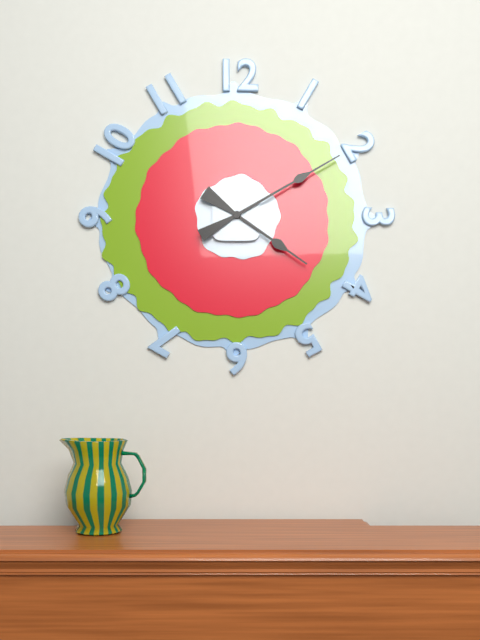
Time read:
4:10
